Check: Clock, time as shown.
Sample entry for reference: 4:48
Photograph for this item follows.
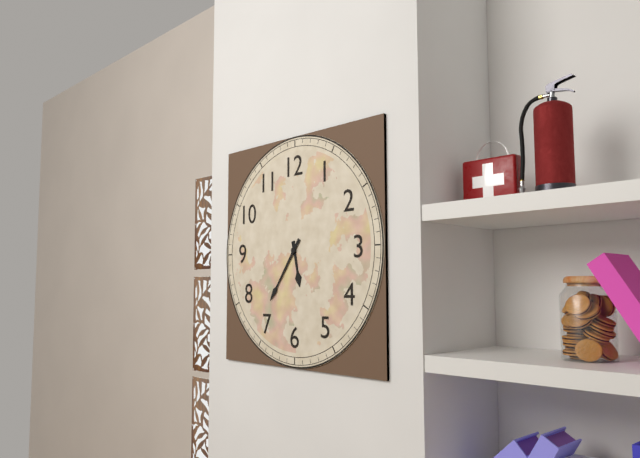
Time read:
5:36
